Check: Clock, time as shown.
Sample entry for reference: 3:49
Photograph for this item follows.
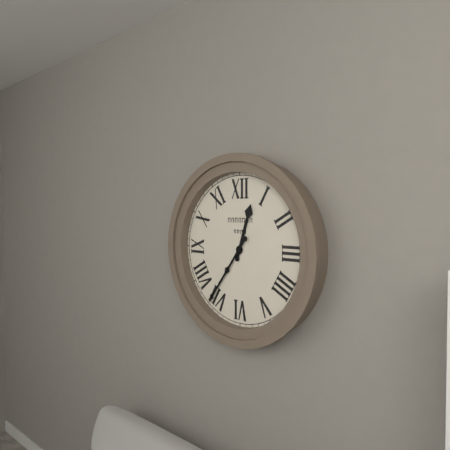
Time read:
12:36
